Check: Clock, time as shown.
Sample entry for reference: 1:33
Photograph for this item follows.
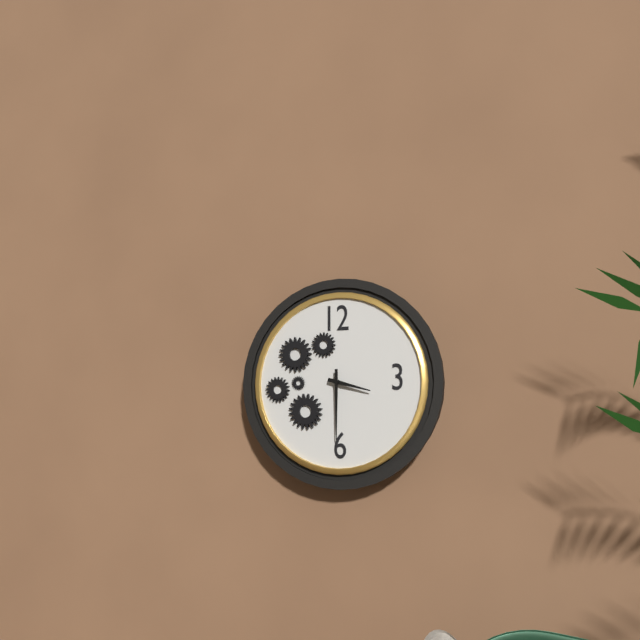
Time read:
3:30
